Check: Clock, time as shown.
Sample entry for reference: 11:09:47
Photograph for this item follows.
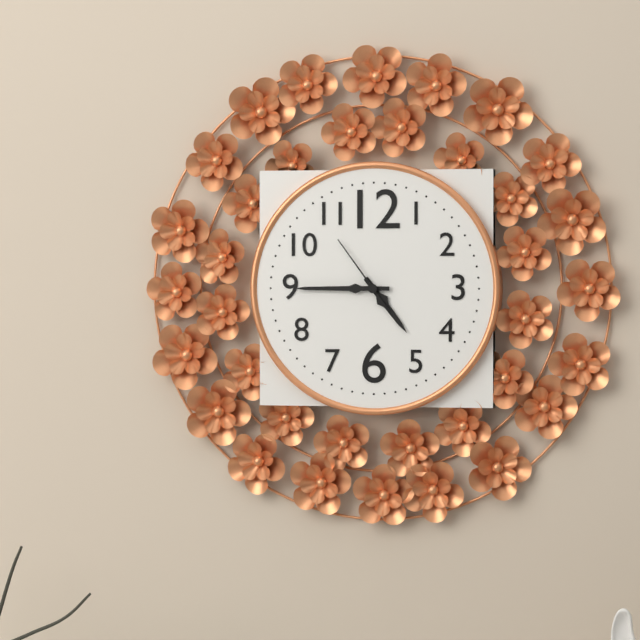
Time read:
4:45:54
